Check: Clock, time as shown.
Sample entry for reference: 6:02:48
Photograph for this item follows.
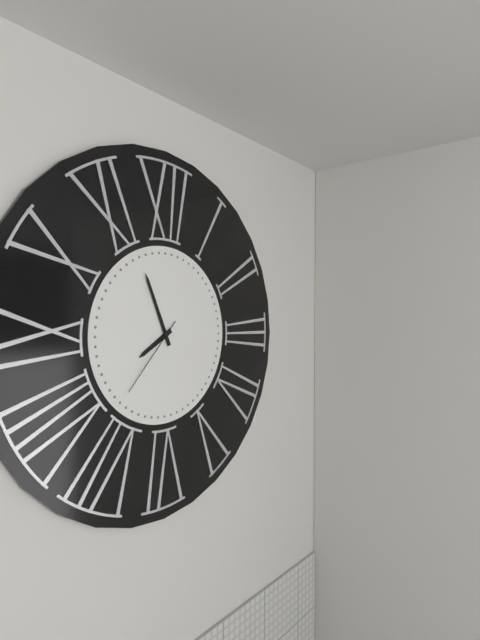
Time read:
7:56:37
